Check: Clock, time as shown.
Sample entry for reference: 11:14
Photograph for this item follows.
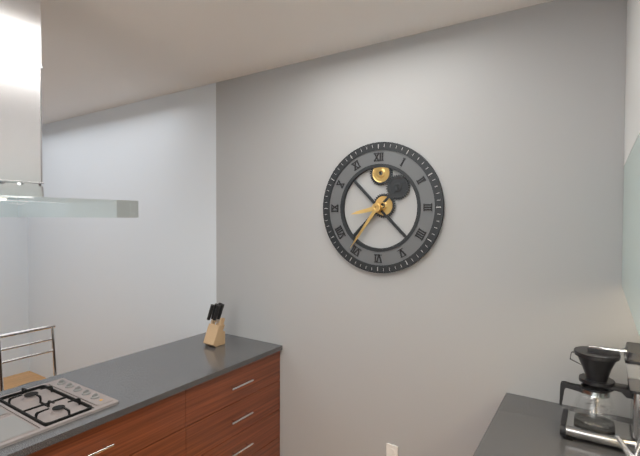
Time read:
8:36
